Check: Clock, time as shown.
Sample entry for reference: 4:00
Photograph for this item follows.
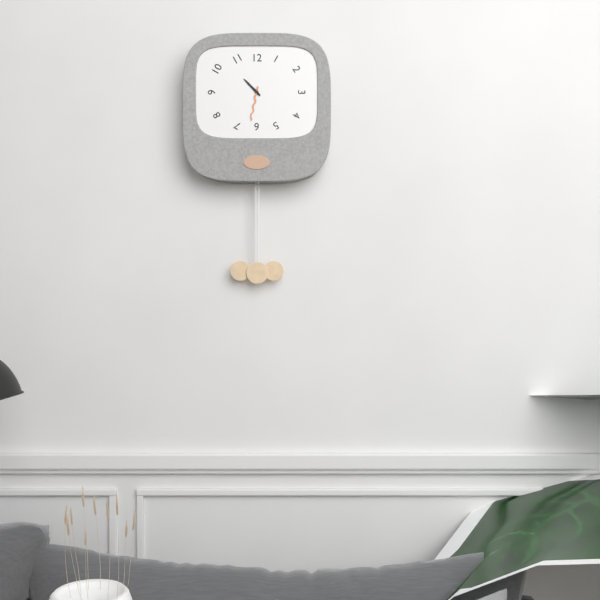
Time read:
10:32
